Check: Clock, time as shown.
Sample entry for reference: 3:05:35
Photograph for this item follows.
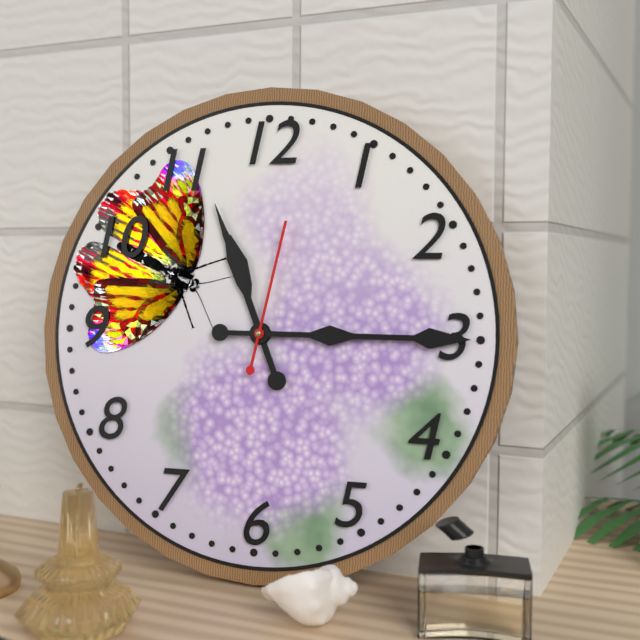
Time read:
11:15:02
